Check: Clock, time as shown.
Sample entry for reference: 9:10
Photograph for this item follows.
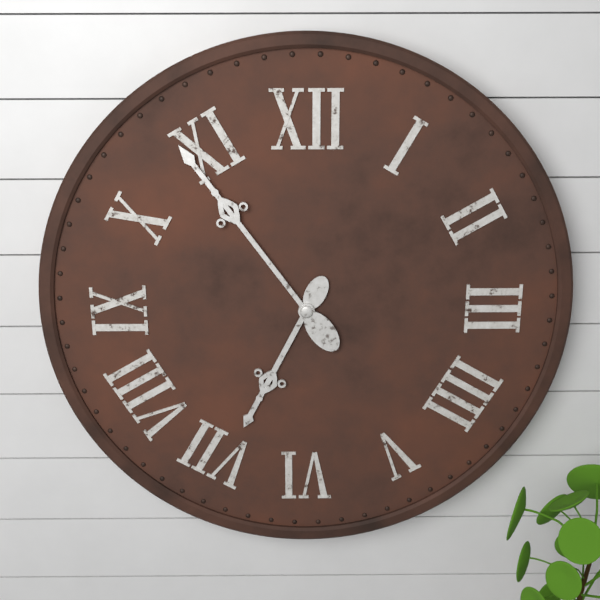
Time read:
6:54
